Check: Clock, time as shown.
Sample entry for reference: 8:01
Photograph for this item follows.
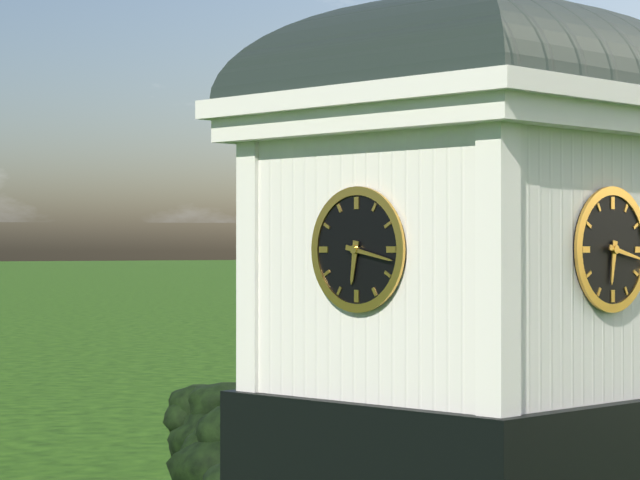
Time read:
6:17
